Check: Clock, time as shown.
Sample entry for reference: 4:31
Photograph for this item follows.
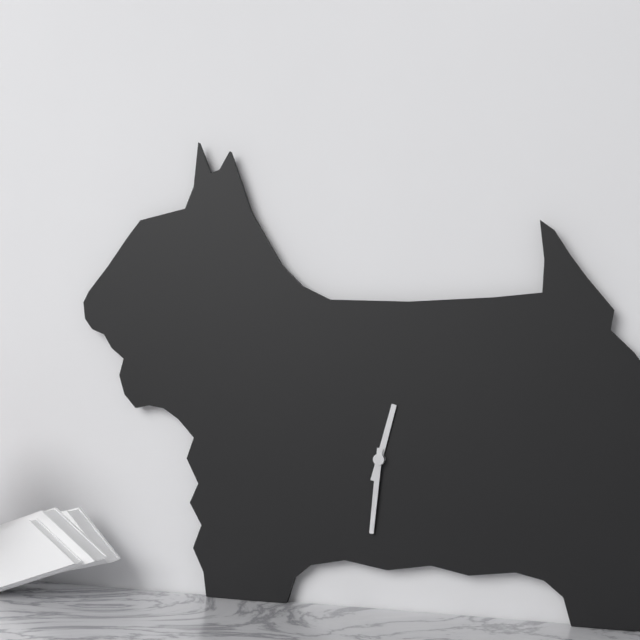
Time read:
12:31
